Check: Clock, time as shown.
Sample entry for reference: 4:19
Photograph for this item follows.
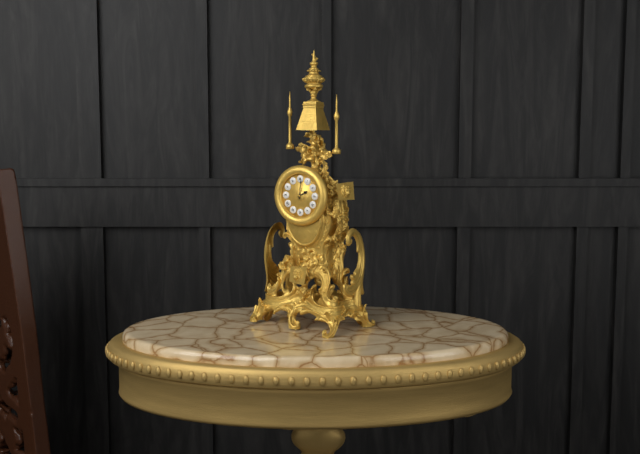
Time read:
2:01
